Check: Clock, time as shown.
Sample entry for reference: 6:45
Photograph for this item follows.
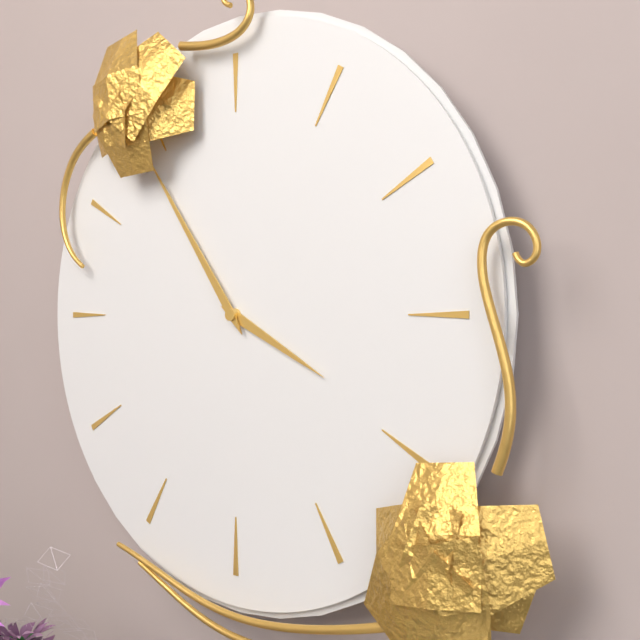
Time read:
3:54
